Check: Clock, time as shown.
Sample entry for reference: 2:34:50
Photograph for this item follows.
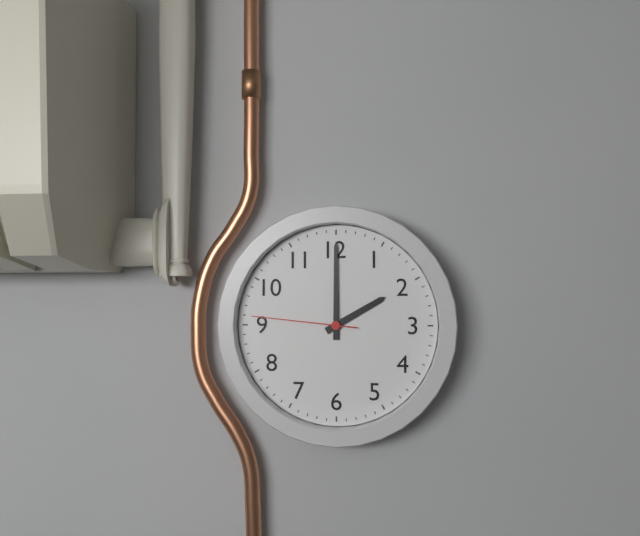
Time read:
2:00:46
